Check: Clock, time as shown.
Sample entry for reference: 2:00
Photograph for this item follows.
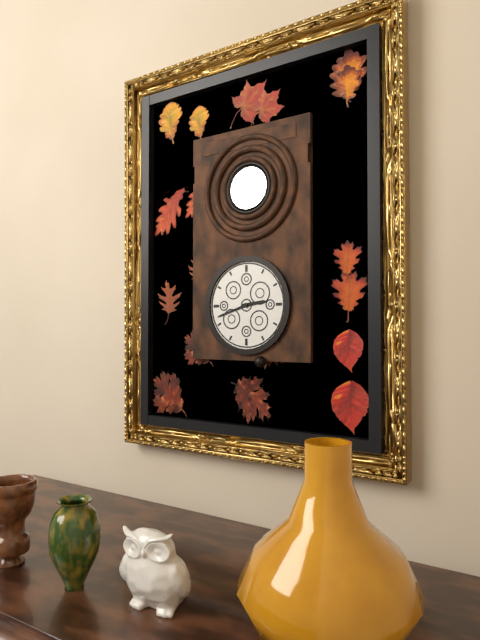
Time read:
2:42
